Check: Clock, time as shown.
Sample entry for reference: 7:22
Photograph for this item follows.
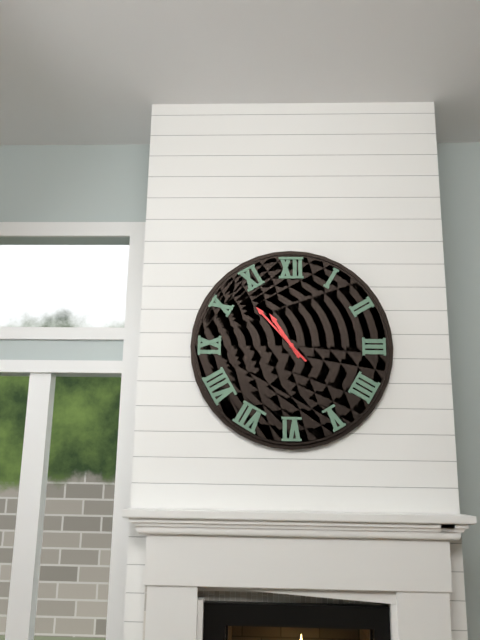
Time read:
10:53
